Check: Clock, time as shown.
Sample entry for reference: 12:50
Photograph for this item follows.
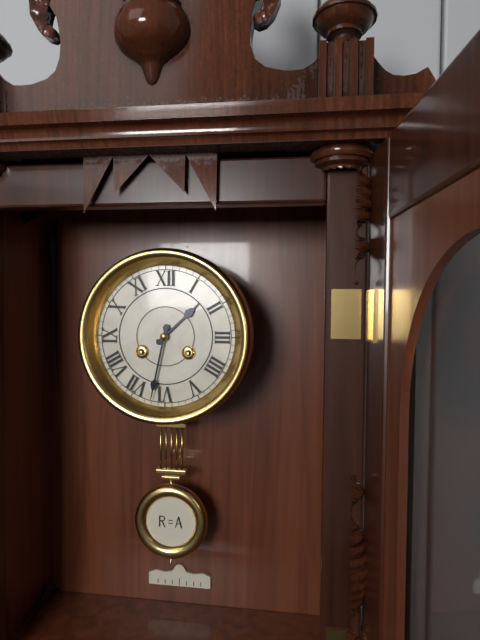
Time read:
1:32
